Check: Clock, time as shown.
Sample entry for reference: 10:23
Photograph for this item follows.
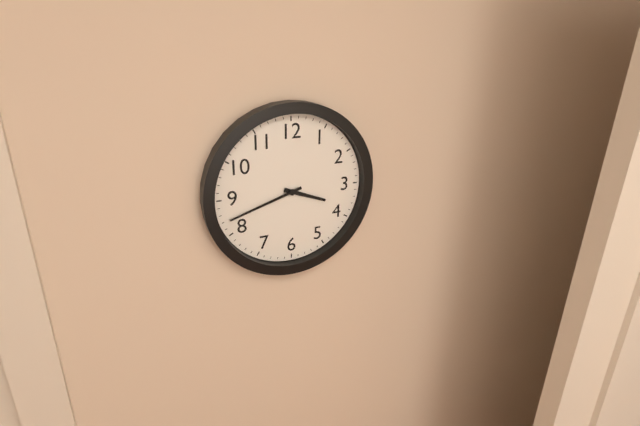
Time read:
3:42
